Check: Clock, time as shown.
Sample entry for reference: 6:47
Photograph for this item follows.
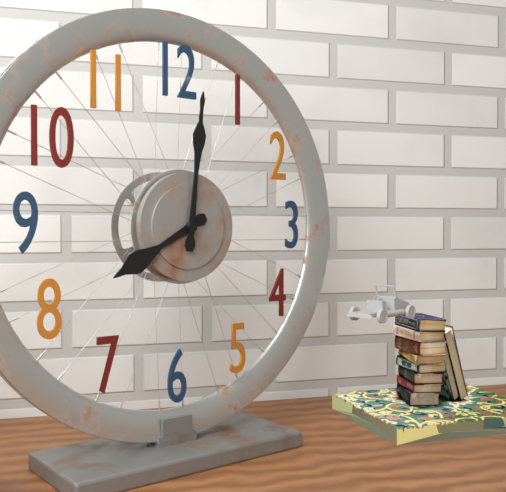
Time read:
8:01
